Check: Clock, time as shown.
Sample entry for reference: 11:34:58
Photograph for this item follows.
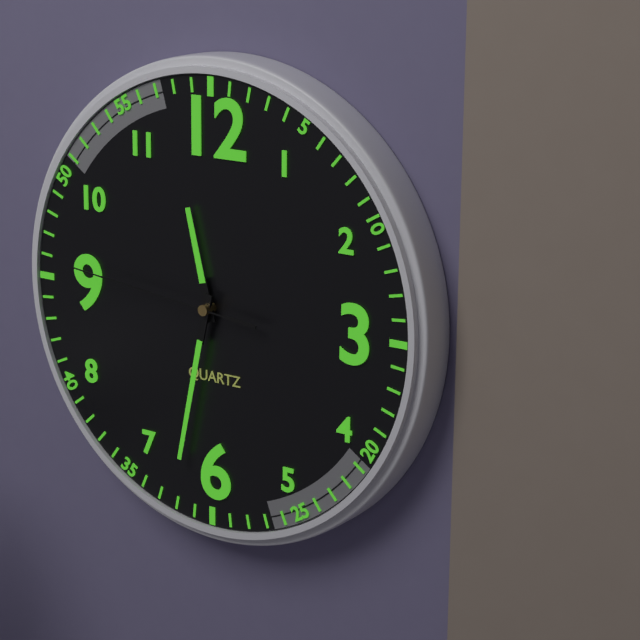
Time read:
11:32:46
